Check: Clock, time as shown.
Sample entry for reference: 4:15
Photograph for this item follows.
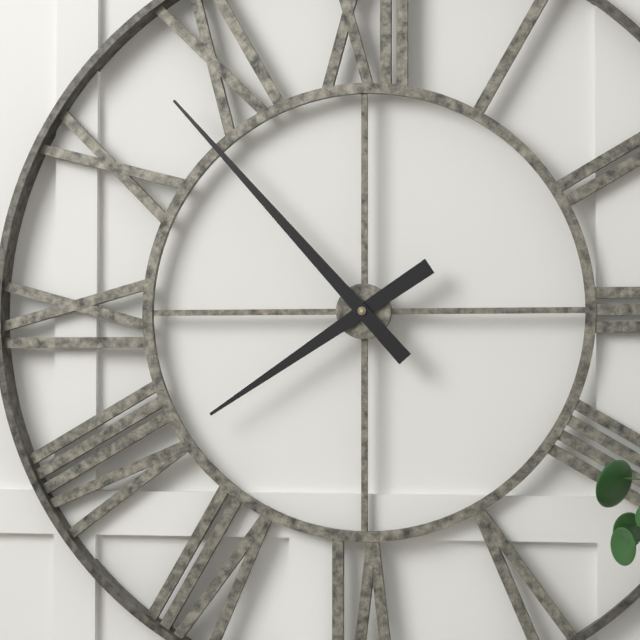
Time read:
7:53
